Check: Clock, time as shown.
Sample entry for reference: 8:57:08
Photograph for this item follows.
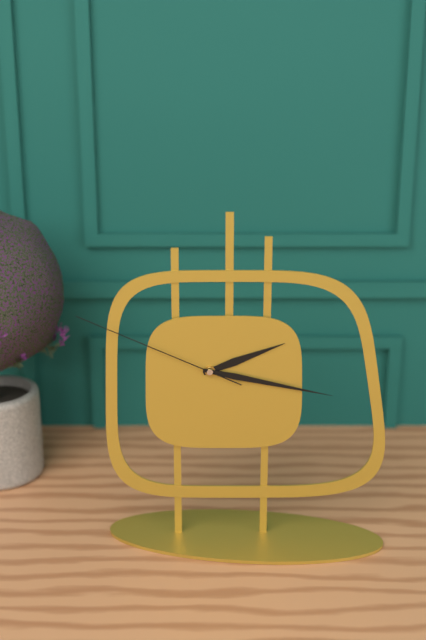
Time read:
2:17:49
